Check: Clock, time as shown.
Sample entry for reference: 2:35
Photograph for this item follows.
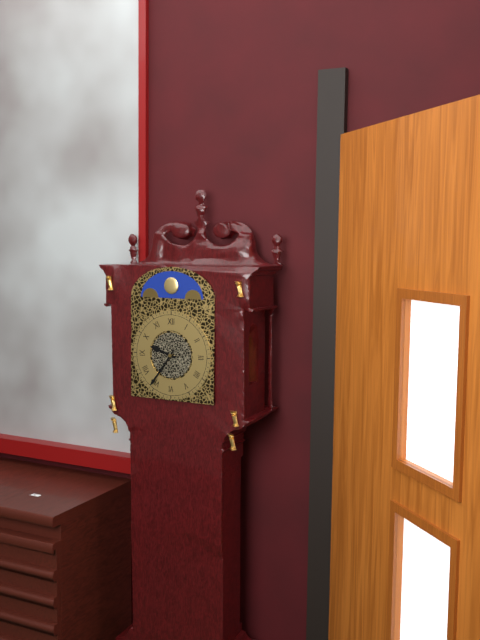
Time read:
9:36
